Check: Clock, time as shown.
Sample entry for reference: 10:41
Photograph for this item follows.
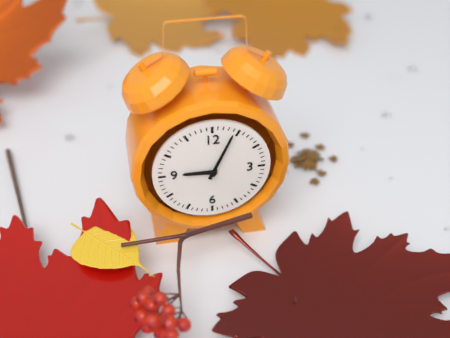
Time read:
9:04
